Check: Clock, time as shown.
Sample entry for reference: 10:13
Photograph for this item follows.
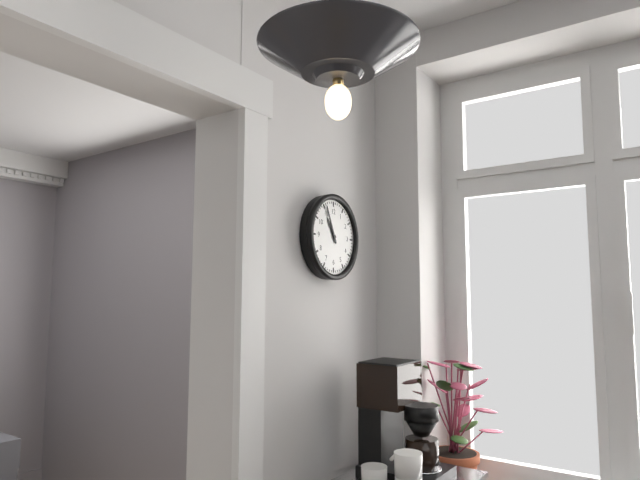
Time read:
10:56
